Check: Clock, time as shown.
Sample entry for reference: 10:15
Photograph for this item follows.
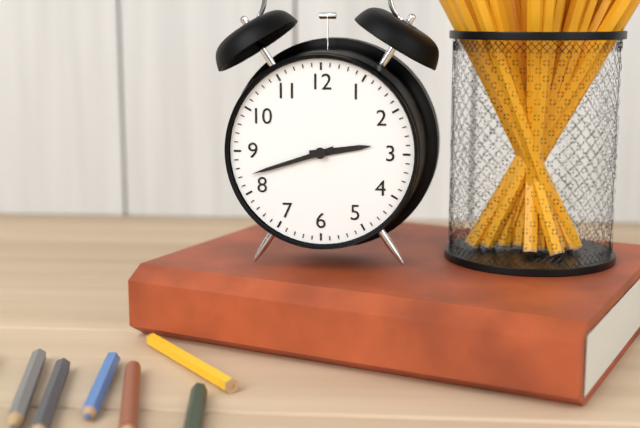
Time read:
2:42
